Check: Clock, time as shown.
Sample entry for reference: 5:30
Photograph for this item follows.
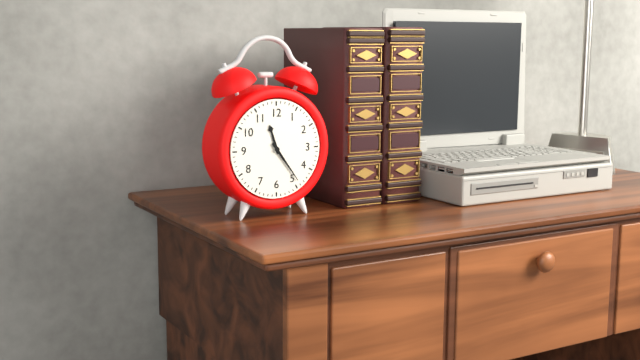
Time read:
11:24
